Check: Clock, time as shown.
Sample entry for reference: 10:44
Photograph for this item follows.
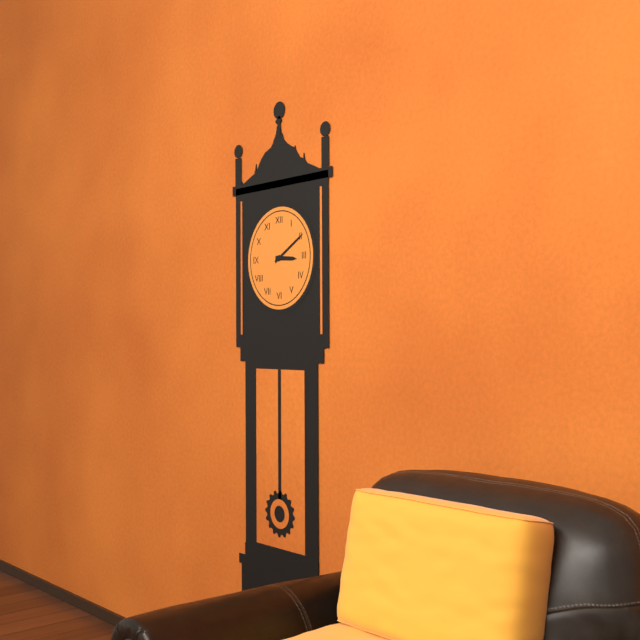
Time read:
3:10
